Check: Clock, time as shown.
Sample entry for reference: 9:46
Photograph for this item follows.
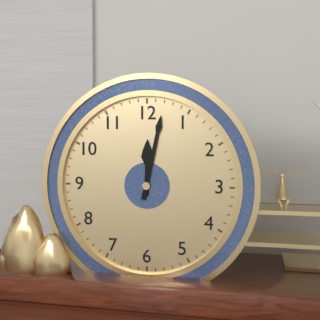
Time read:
12:02
